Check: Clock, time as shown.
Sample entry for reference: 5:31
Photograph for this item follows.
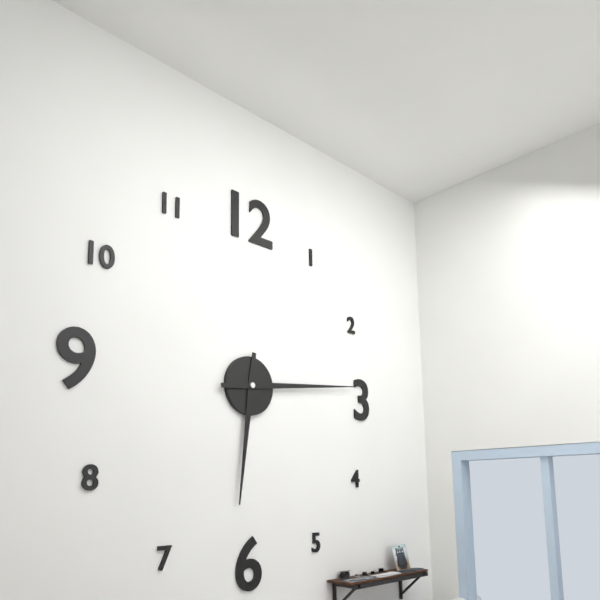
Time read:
6:14
